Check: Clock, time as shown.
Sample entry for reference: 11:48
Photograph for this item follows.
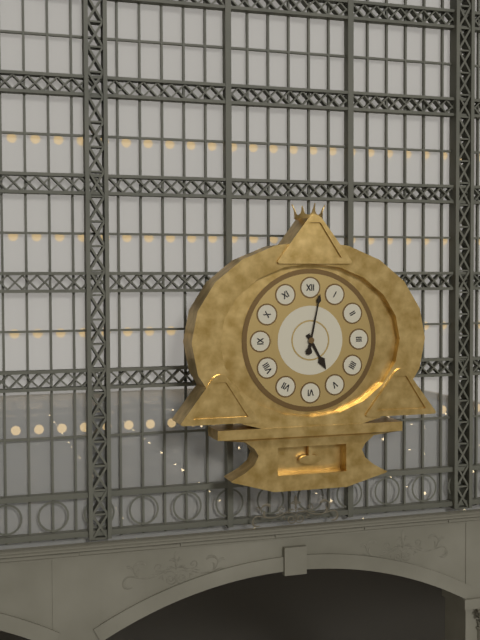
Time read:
5:02
